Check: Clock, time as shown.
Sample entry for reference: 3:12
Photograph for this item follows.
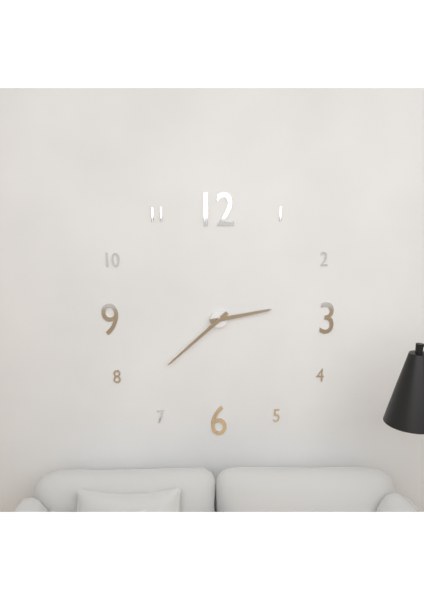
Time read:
2:38
